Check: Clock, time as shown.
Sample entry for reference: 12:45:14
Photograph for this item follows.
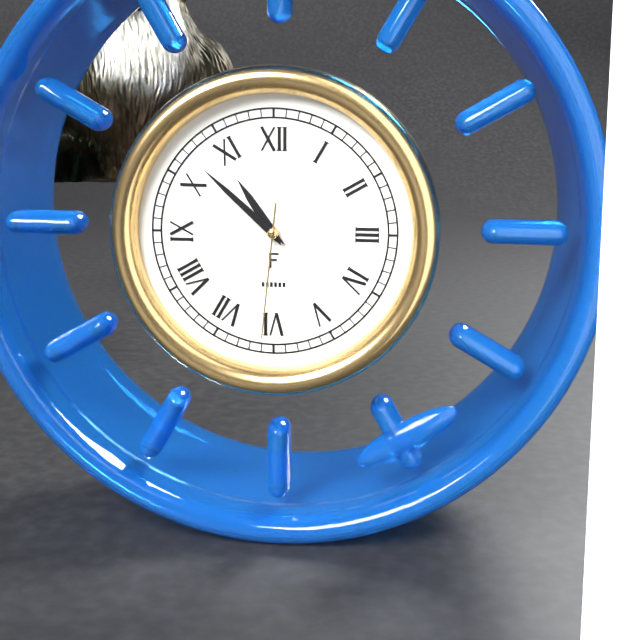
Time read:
10:52:31
